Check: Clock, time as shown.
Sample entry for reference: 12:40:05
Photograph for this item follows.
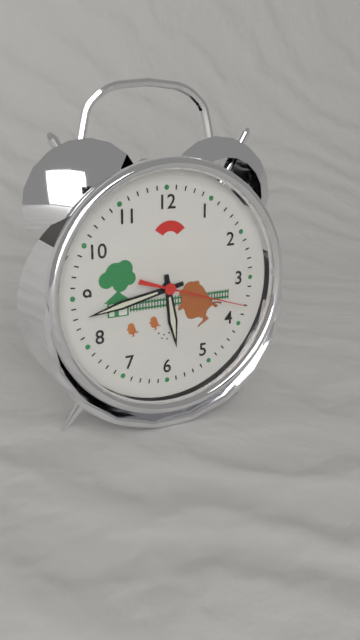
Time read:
5:43:18
